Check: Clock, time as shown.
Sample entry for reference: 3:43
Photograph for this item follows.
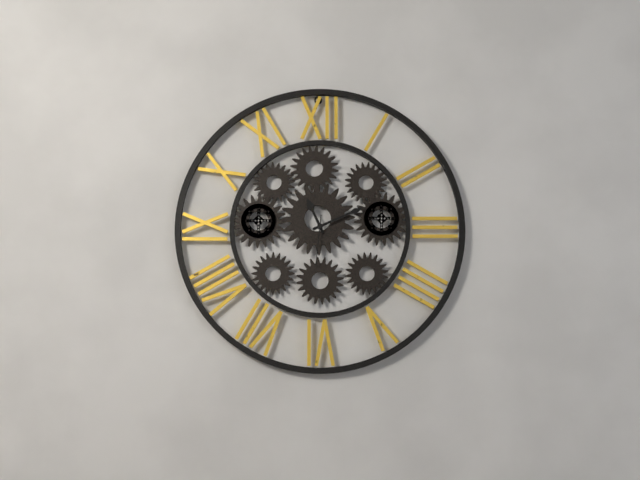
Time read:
11:11
